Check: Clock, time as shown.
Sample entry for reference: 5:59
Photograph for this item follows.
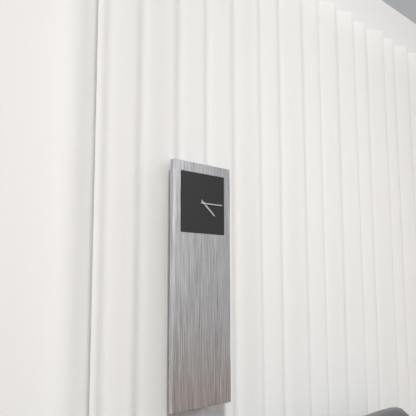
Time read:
4:15
